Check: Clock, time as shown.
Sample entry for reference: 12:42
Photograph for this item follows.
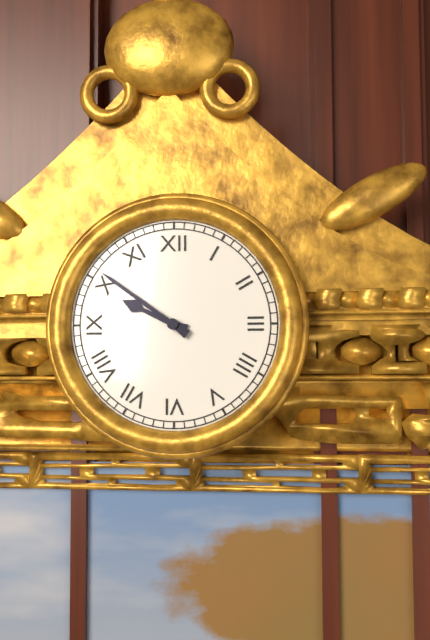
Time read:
9:51
